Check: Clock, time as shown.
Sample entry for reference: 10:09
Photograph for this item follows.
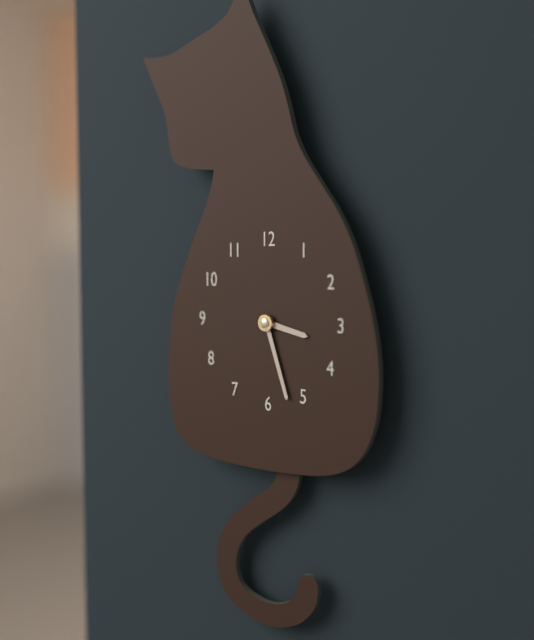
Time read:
3:27
